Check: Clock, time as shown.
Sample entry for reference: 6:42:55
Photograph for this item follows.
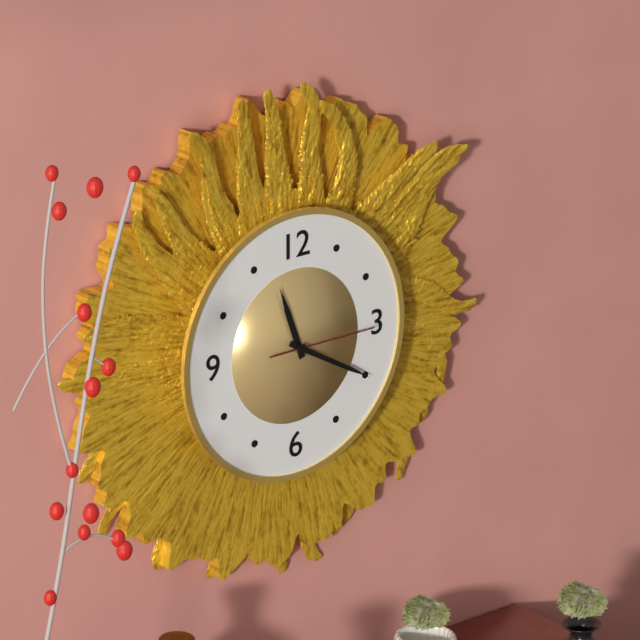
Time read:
11:20:15
